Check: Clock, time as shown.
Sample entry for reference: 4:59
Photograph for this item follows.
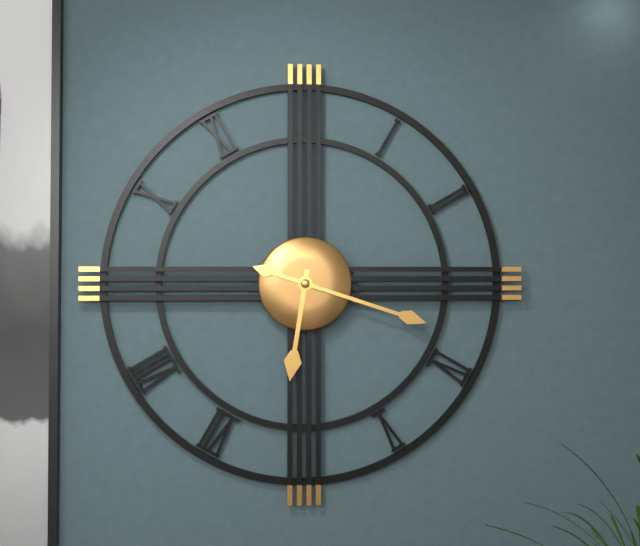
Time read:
6:18
